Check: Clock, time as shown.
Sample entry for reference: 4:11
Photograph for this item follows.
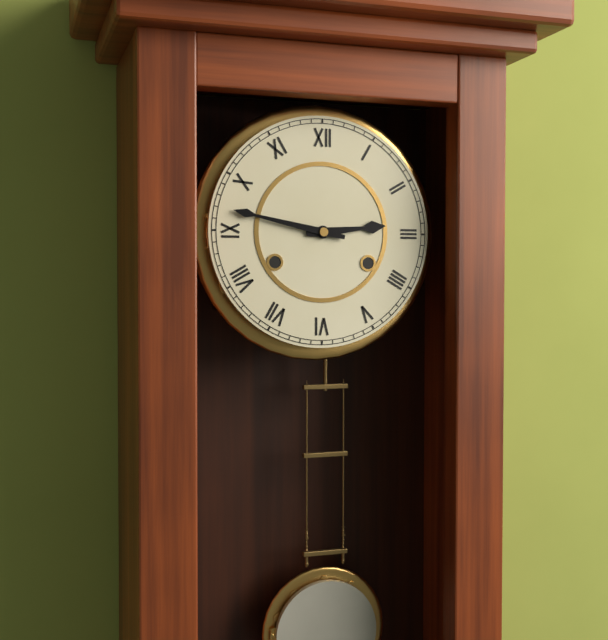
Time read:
2:47
